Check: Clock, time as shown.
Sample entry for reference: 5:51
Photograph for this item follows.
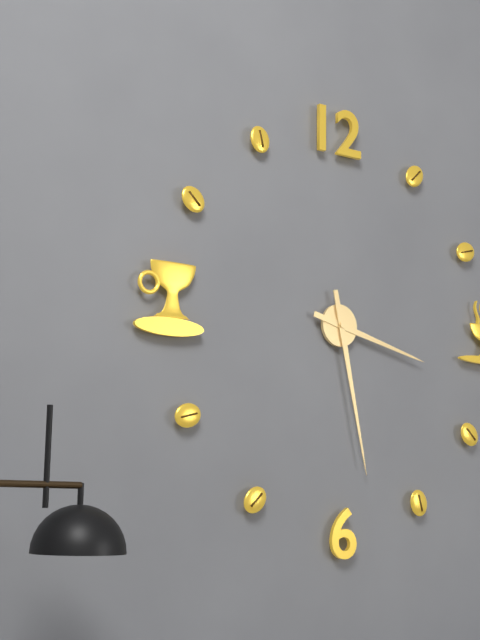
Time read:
3:28
